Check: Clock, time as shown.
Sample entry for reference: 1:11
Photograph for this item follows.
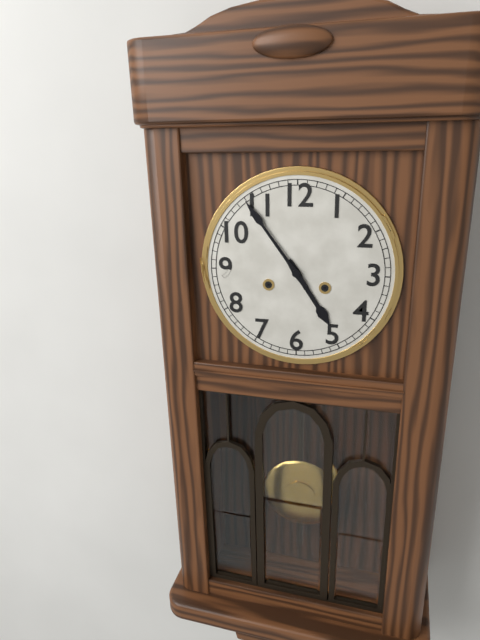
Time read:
4:54
